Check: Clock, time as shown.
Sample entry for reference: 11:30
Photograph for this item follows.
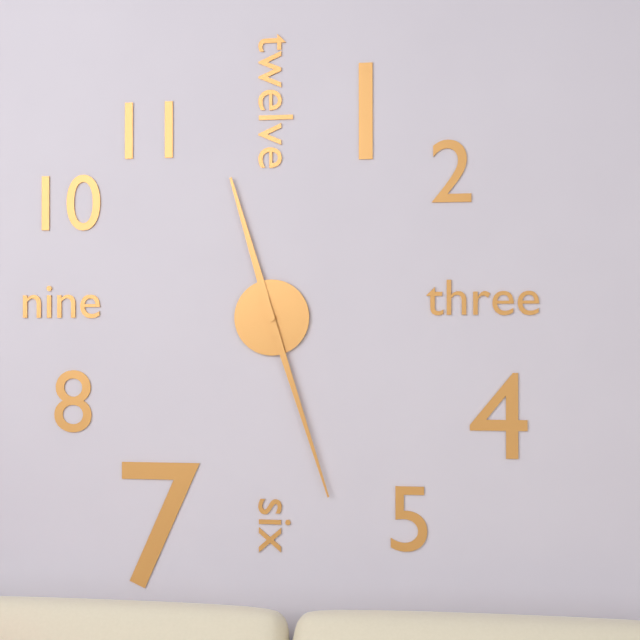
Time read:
11:27
